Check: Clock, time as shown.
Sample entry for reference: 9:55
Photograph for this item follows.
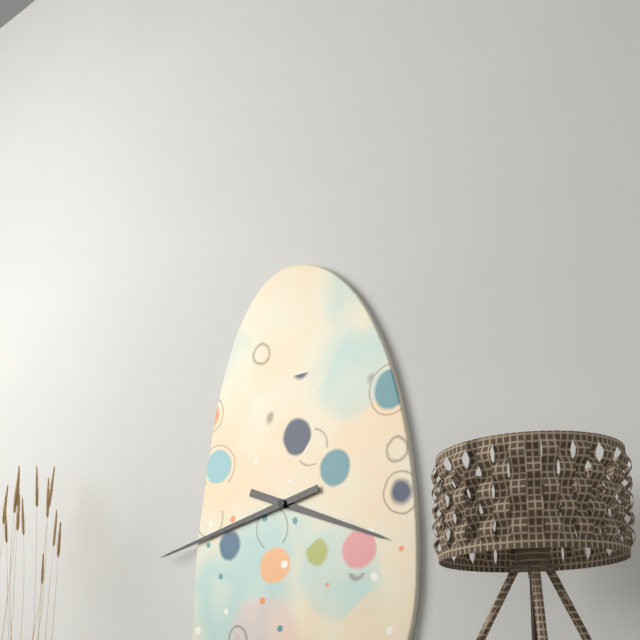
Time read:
3:43
